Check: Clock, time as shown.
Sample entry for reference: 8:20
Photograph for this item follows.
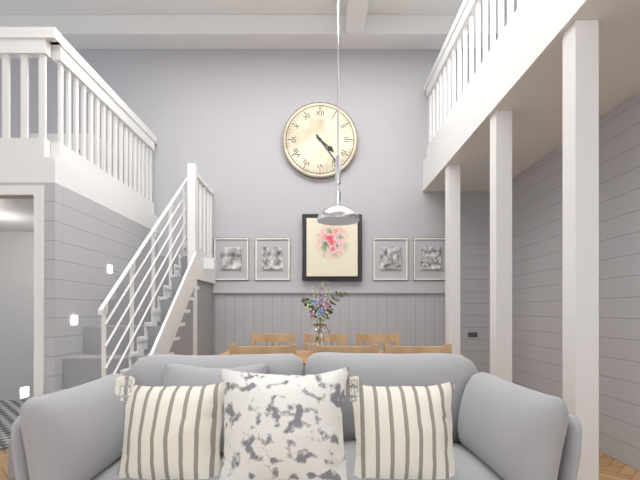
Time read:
4:24
